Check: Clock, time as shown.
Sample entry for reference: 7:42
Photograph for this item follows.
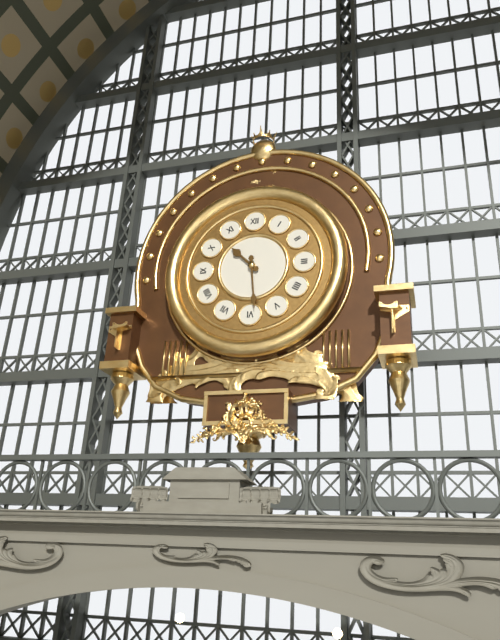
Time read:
10:29
